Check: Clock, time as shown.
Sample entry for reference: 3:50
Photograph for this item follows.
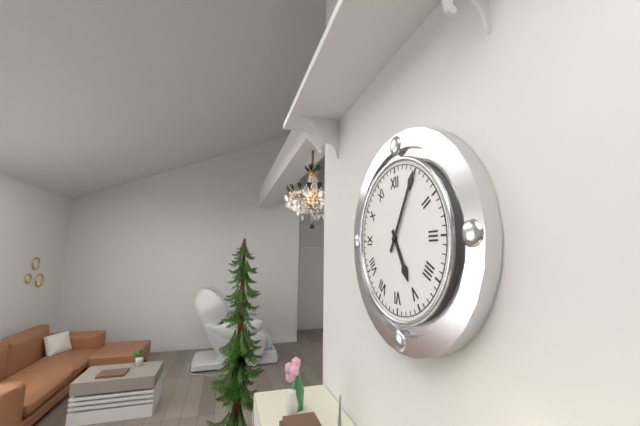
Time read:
5:05
